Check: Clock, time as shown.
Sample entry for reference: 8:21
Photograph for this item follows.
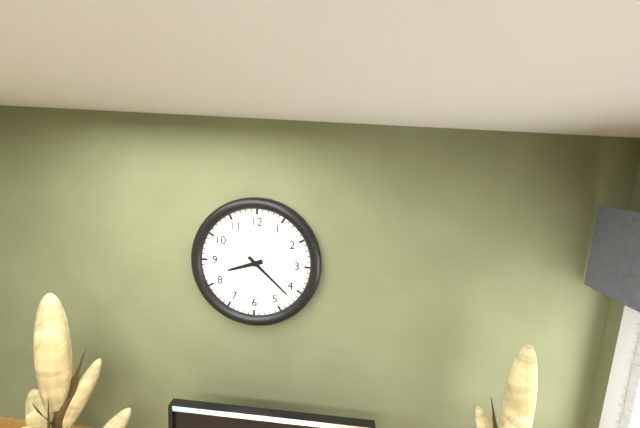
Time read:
8:22
